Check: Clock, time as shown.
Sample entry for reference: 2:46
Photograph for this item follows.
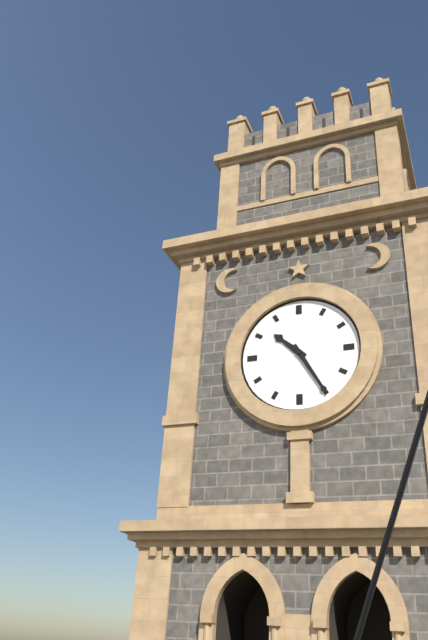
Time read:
10:25
